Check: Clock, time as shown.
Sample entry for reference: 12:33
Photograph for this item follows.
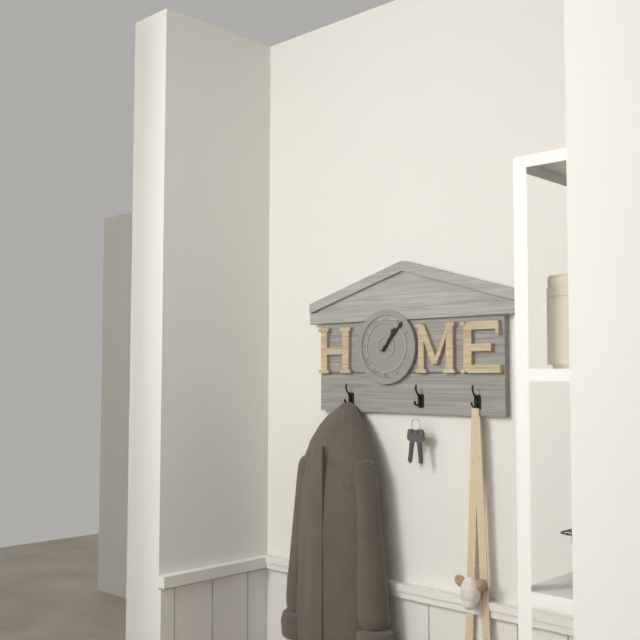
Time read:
1:07
